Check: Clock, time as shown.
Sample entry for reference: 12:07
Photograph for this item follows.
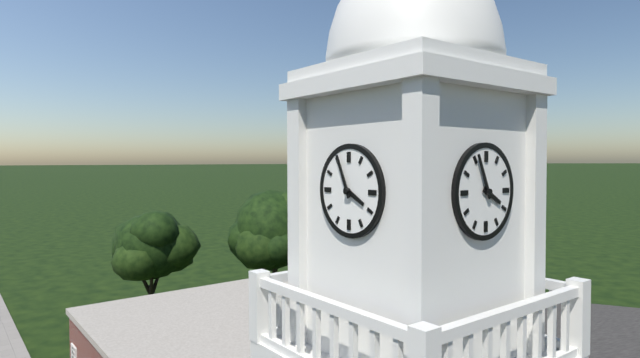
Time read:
3:56
